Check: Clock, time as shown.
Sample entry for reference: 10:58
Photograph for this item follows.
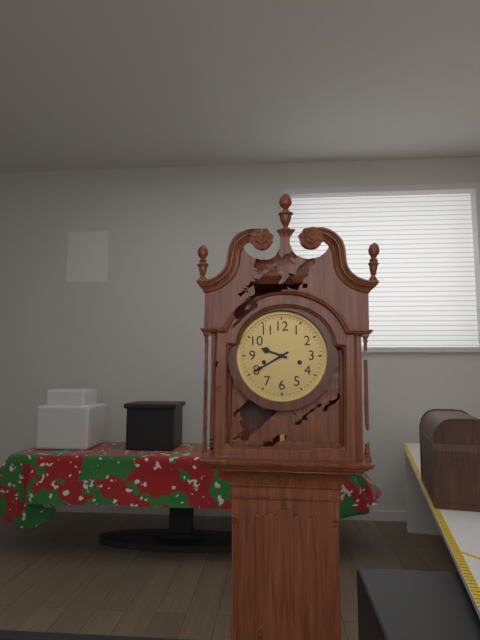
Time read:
9:40
